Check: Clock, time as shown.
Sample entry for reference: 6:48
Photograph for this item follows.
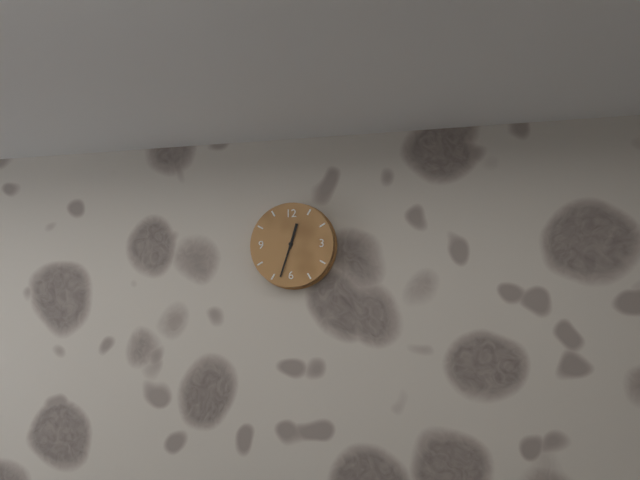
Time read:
12:33
